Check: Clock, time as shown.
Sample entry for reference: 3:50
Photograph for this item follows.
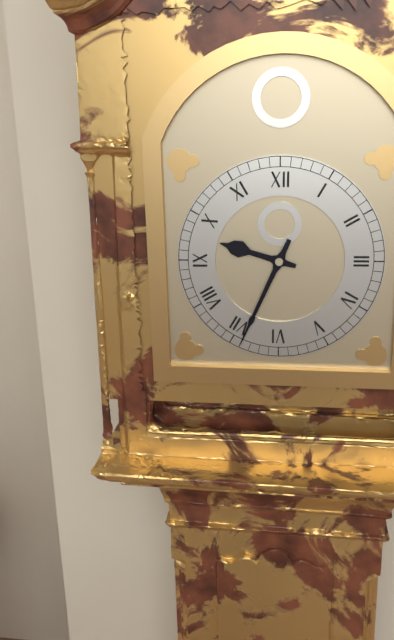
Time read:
9:34
